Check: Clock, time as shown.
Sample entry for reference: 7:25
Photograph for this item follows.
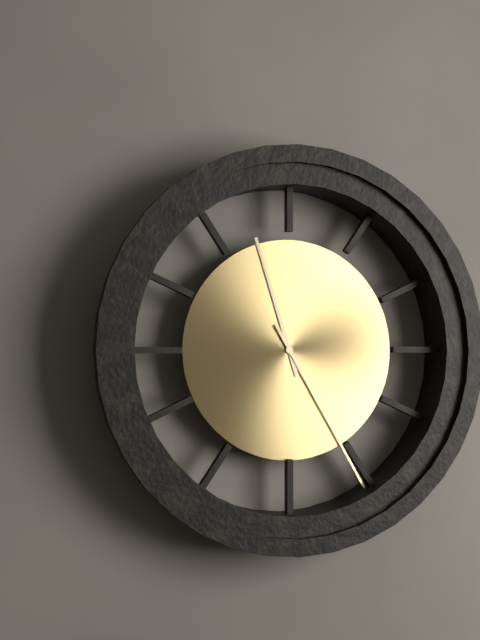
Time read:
11:25
